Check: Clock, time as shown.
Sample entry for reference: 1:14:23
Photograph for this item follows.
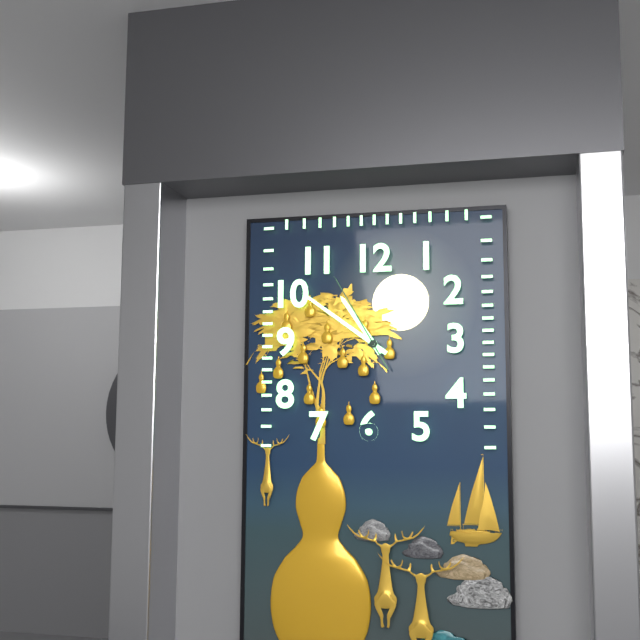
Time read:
10:51:55
